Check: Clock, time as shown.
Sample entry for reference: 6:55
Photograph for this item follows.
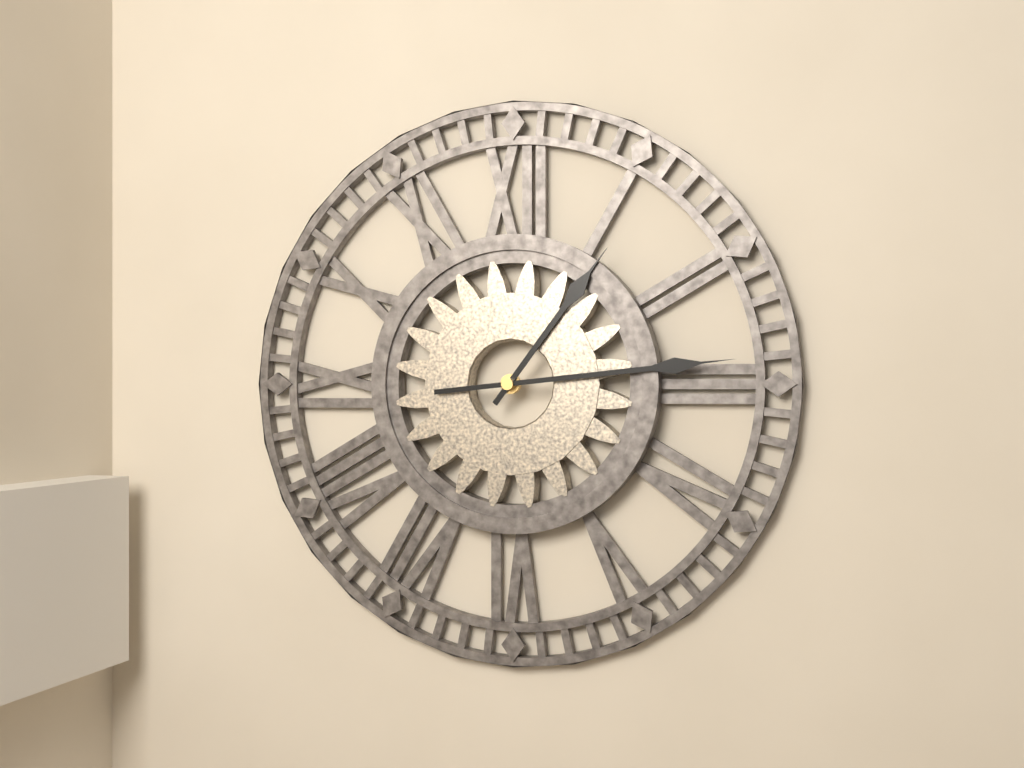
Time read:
1:14
